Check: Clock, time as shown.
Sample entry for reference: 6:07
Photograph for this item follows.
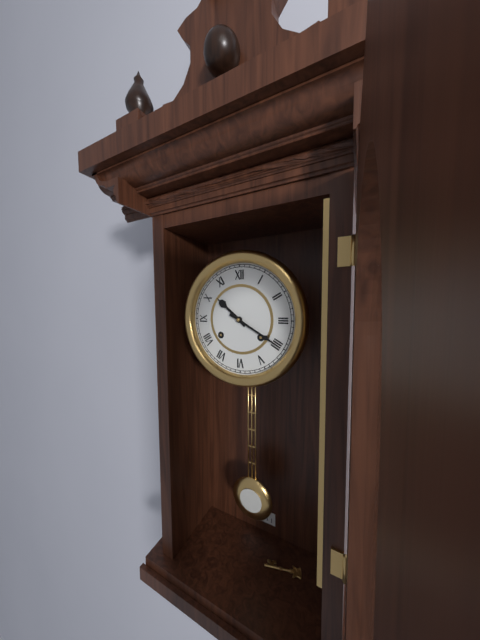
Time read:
10:20
